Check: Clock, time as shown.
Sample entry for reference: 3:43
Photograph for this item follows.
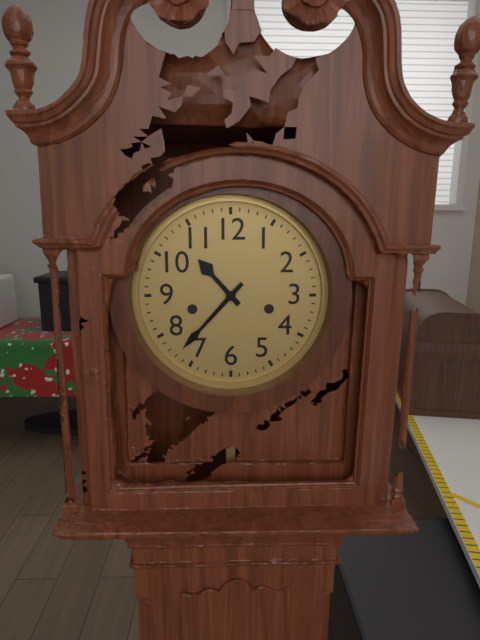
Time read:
10:37
